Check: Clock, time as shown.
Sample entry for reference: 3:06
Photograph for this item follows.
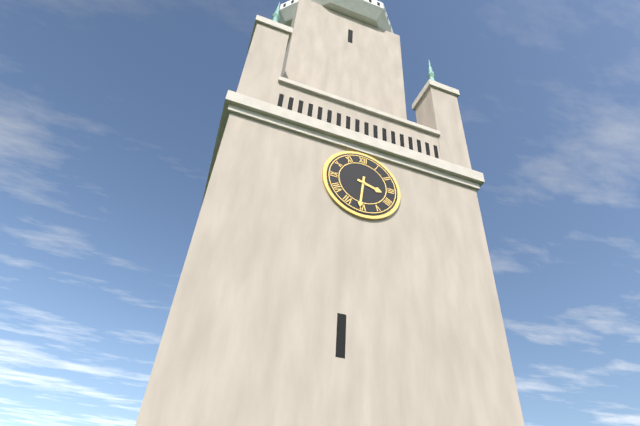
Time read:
3:31
